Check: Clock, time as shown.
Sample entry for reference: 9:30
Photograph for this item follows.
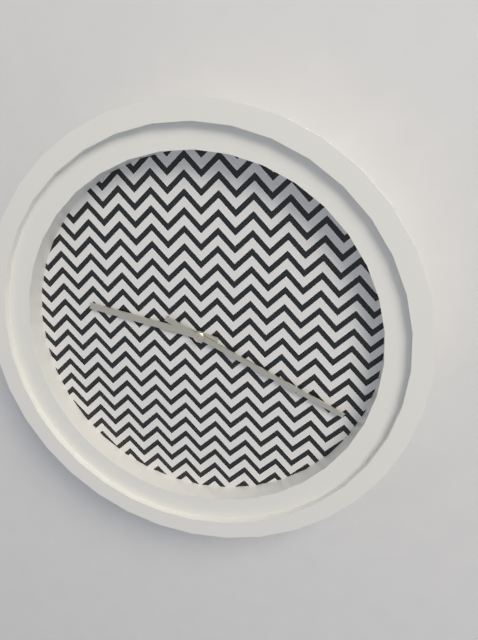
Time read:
9:19
